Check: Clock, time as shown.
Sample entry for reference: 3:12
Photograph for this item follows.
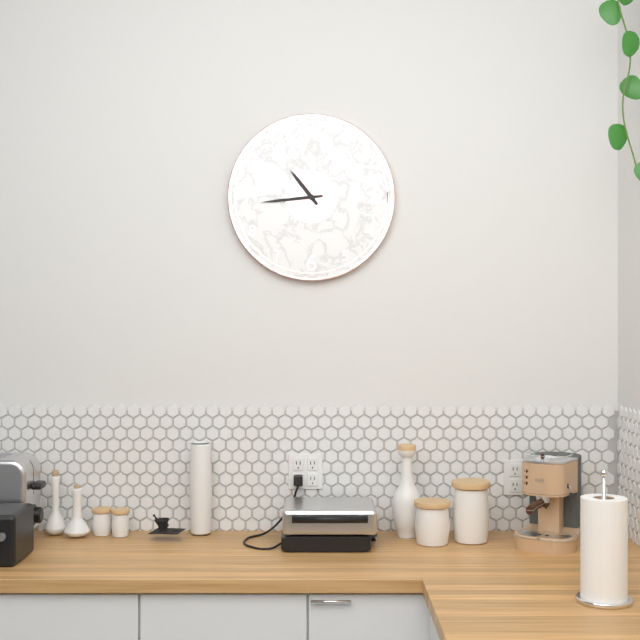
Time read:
10:44
